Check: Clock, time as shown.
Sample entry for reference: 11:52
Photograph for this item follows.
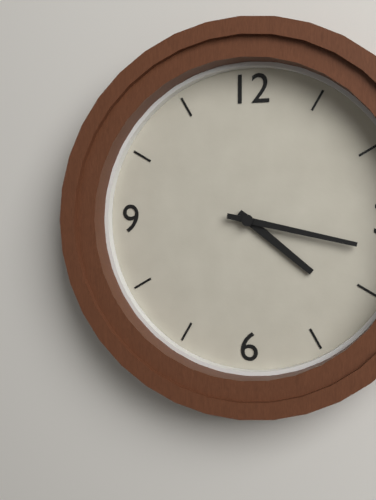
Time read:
4:17
